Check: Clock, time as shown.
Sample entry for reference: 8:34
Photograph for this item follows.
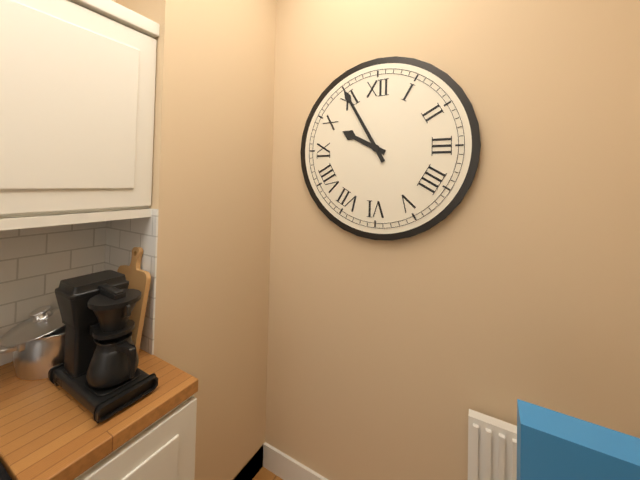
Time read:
9:55
